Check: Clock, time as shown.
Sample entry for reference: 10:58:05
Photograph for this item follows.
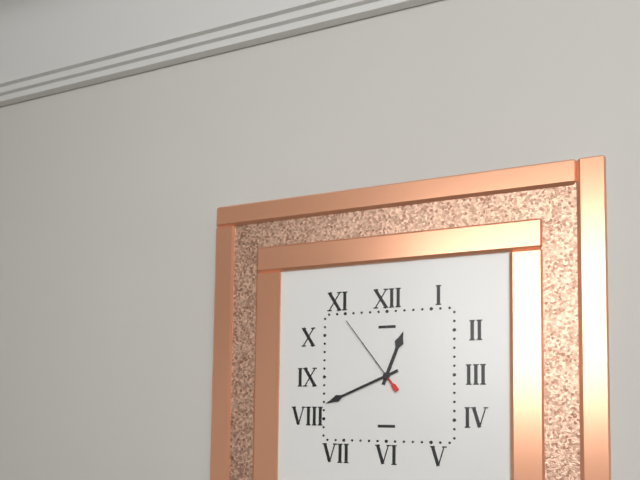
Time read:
12:41:54
